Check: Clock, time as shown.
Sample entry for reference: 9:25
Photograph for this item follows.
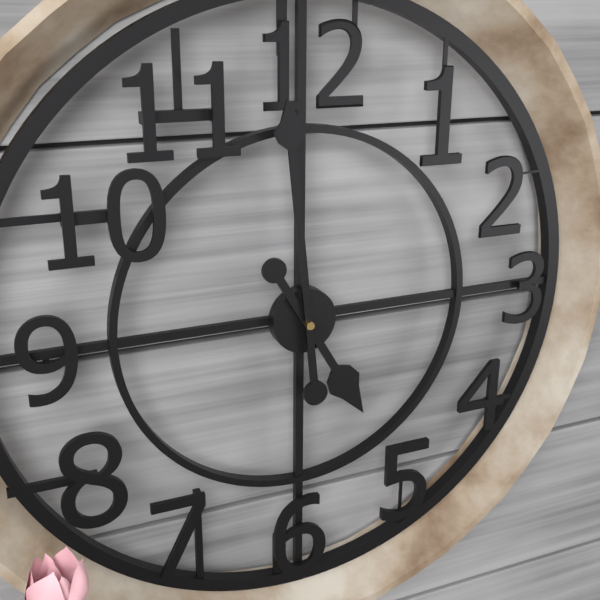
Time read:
4:59
